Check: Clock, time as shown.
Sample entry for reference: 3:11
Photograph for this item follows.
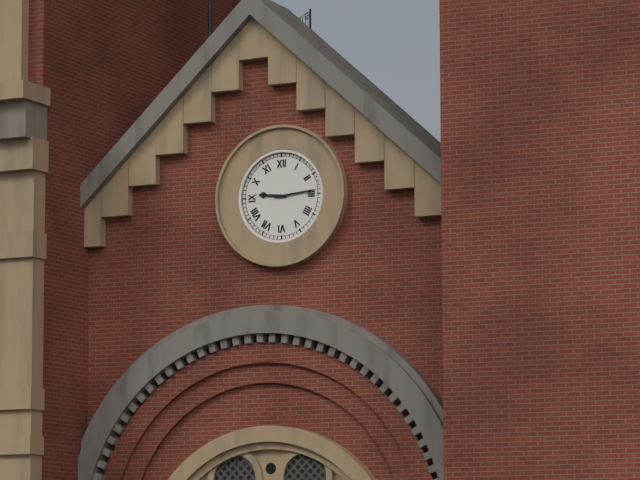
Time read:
9:14
